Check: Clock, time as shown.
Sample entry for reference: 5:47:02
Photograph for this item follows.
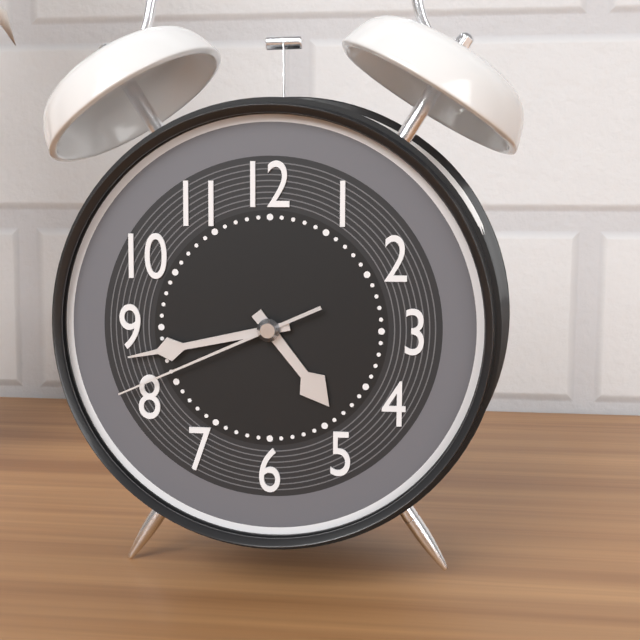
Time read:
4:43:41
